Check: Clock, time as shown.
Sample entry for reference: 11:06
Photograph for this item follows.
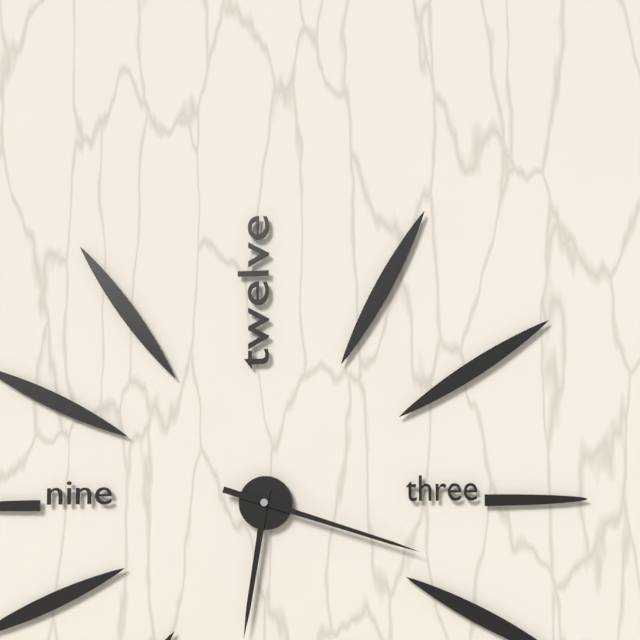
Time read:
6:18
